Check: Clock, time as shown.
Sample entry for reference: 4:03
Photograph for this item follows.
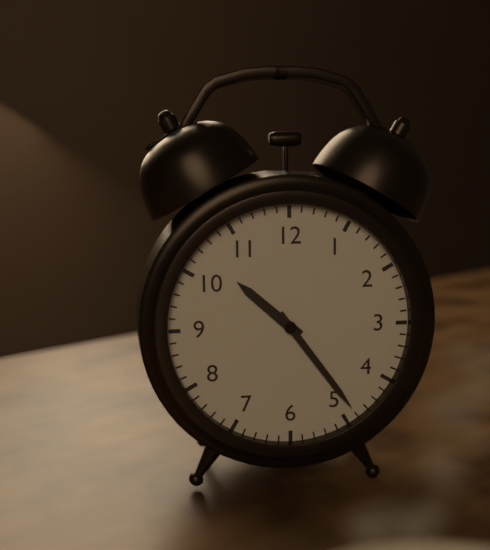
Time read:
10:24
